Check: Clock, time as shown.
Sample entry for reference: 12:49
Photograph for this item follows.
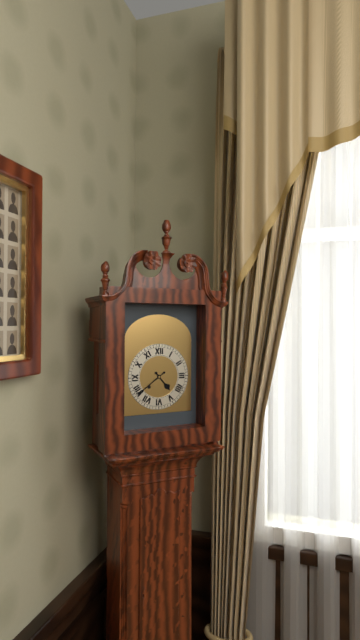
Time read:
4:39
